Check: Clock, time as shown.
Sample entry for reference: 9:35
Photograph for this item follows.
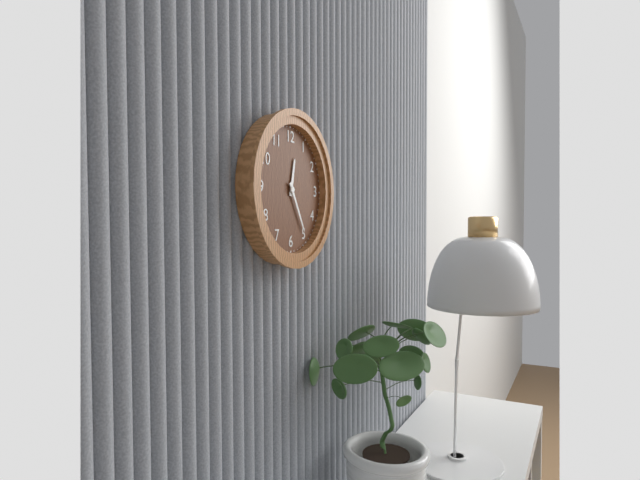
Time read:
12:25
